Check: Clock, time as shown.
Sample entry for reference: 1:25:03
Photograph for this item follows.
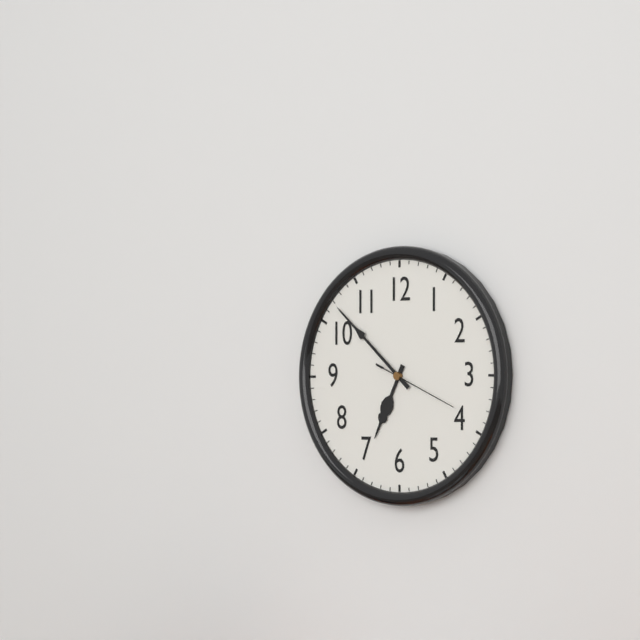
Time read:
6:52:19
